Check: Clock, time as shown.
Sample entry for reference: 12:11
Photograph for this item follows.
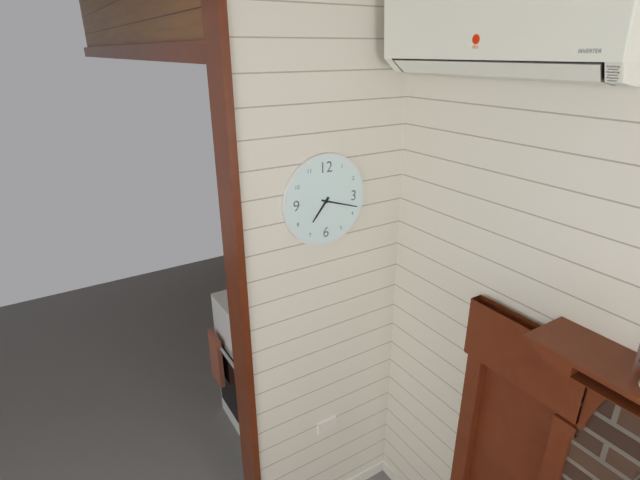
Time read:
7:18
